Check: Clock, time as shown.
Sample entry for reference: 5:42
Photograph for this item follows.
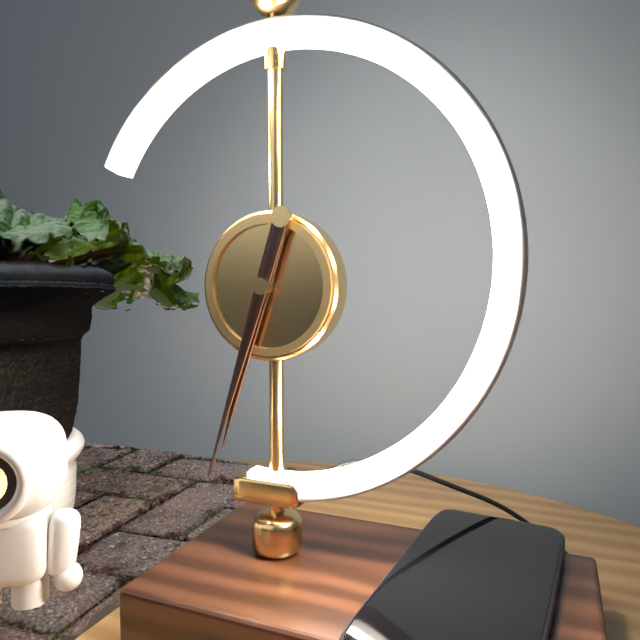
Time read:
6:33
